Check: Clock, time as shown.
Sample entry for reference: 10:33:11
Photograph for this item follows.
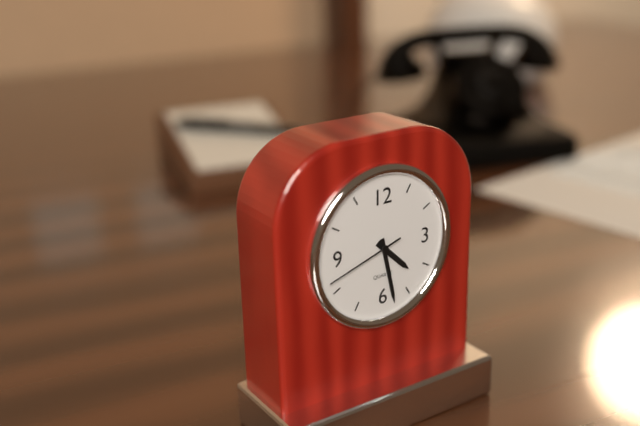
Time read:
4:28:42
